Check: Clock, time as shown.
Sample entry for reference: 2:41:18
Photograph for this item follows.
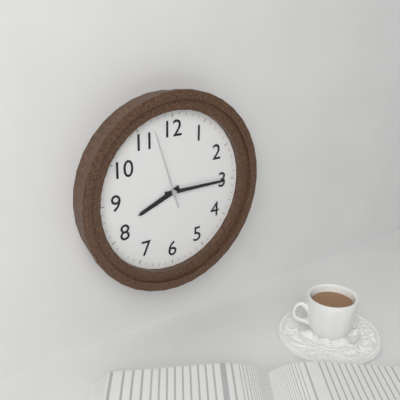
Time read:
8:15:57
